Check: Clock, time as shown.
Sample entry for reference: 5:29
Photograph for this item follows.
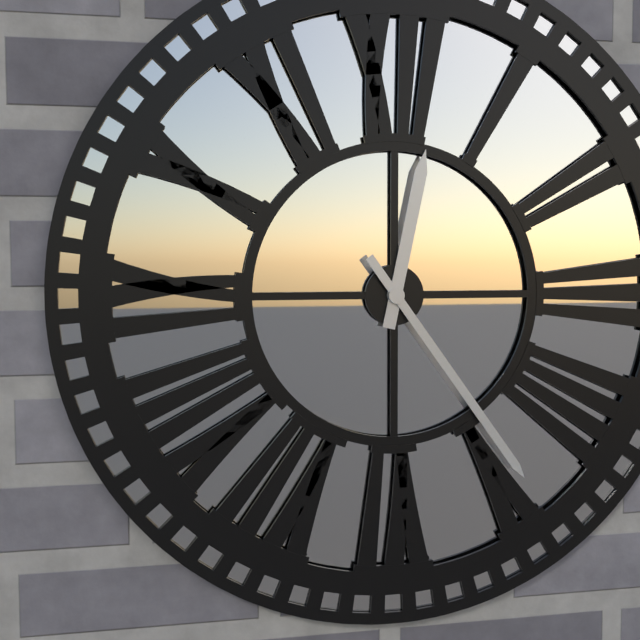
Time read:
12:24
